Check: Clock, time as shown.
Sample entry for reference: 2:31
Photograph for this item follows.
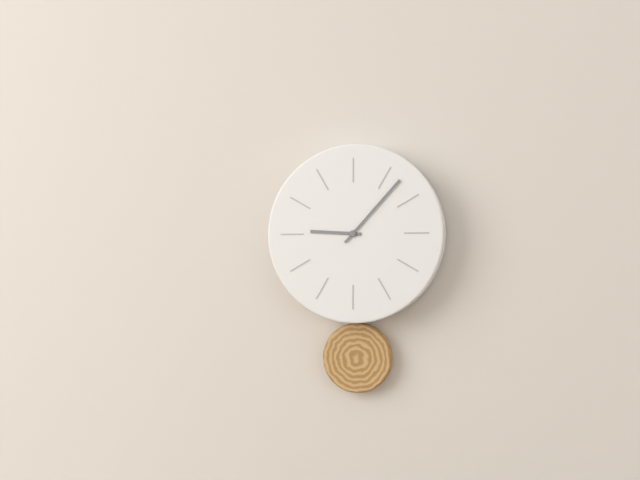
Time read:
9:07
